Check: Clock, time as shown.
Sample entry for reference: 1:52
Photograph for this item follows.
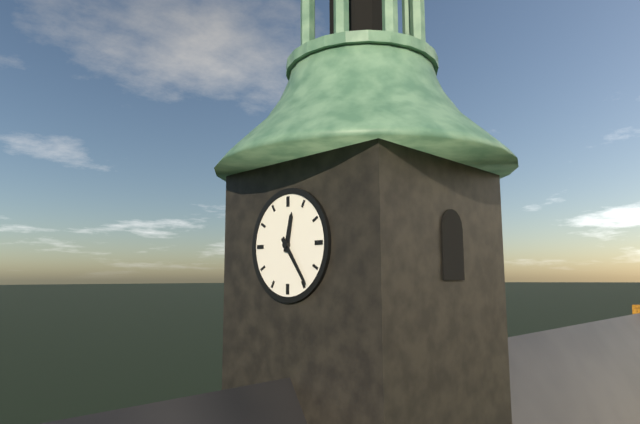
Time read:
12:24
